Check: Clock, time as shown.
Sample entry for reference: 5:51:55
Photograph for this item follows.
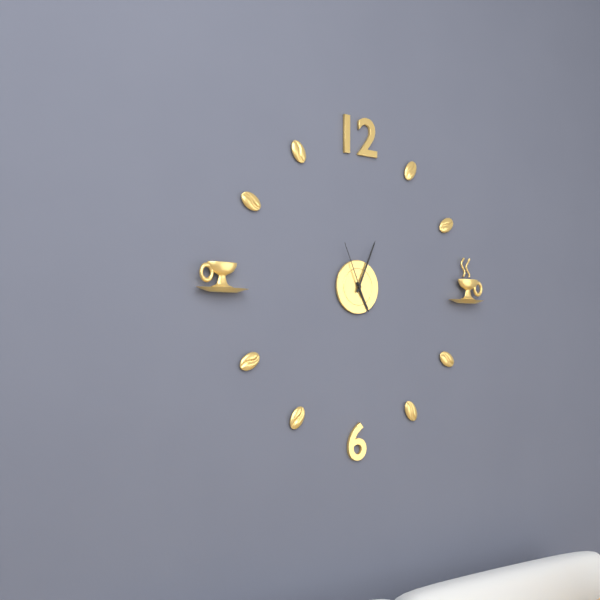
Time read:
5:04:56
